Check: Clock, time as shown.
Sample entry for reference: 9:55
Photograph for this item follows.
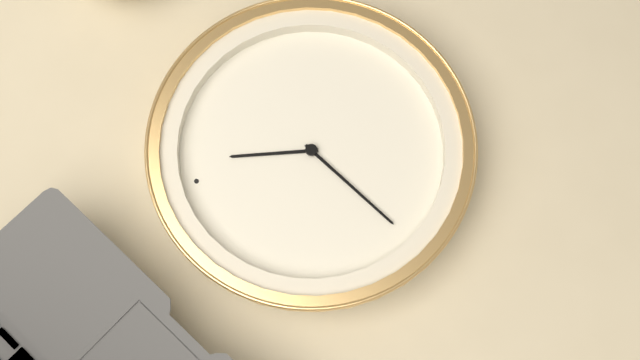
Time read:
11:36
